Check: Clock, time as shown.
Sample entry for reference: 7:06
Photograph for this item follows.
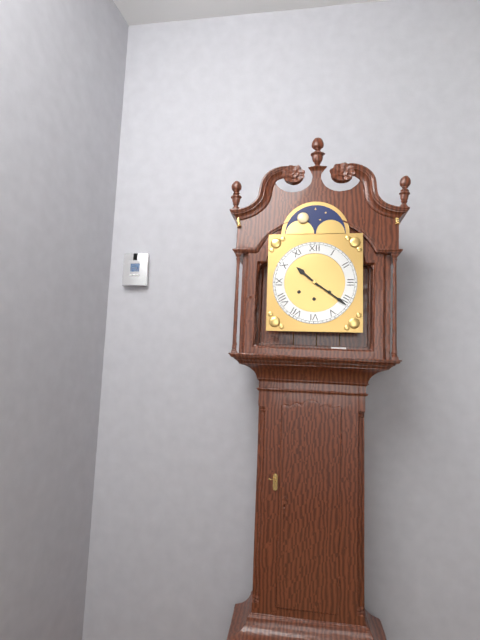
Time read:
10:21
